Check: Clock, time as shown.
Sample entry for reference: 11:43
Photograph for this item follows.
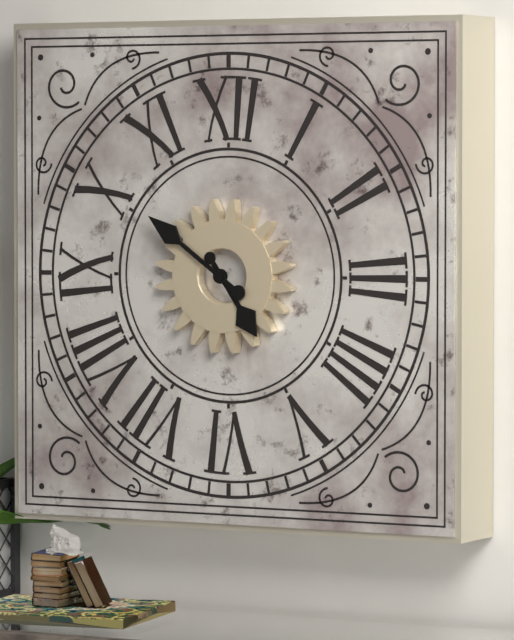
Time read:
4:51
